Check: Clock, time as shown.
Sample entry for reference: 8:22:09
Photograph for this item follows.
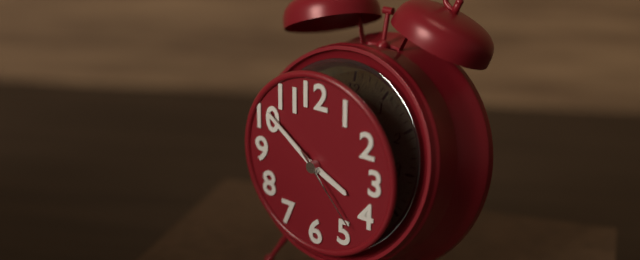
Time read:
3:51:23
